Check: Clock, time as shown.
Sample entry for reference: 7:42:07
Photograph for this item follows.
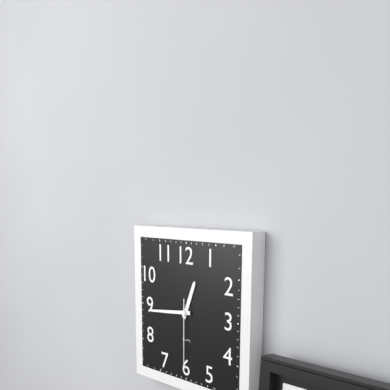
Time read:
12:44:30
